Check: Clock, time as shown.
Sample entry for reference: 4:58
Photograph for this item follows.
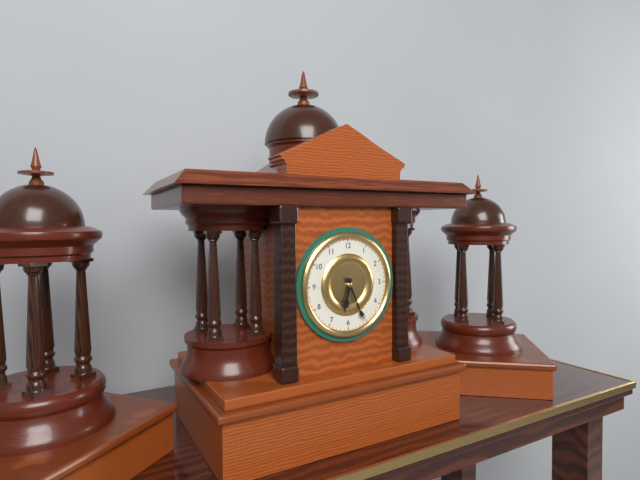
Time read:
6:26
